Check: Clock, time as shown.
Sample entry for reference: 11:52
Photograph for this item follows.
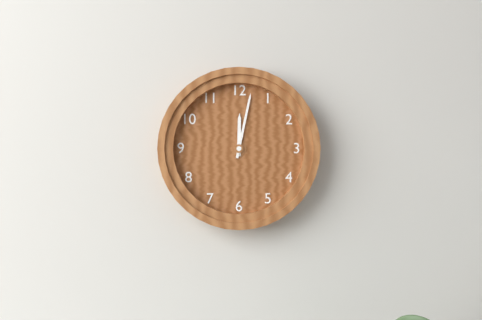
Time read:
12:02
